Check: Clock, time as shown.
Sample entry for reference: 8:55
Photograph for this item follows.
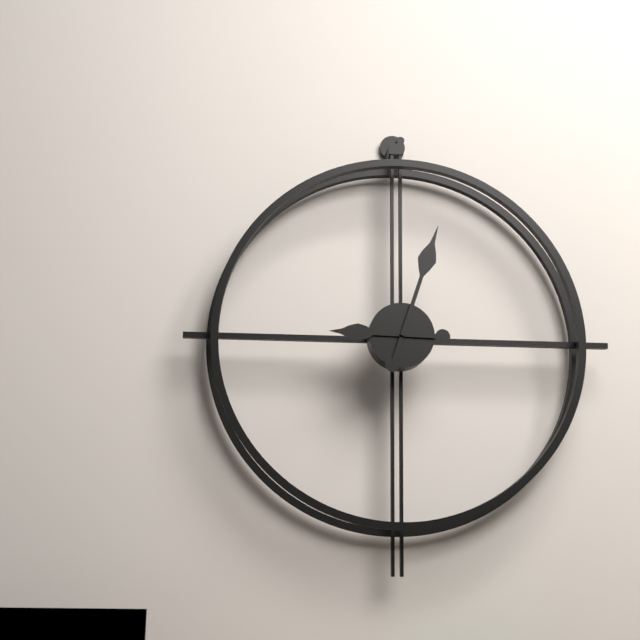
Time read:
9:03
